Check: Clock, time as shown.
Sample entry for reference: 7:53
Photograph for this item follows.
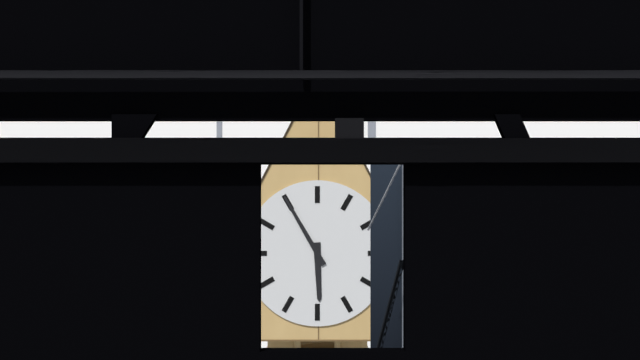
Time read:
5:55
